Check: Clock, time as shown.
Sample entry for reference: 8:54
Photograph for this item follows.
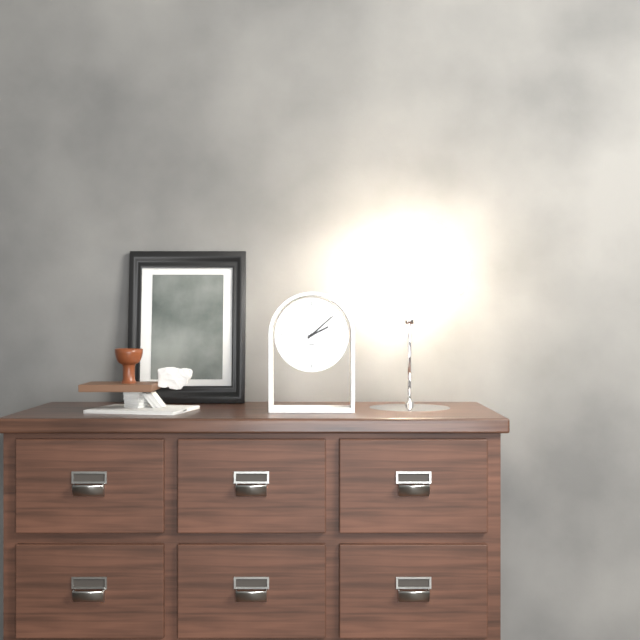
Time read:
2:08
